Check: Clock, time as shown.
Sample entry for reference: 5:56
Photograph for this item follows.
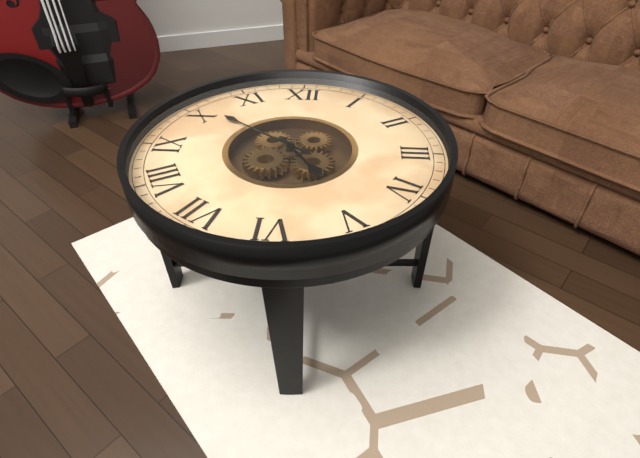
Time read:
4:51
